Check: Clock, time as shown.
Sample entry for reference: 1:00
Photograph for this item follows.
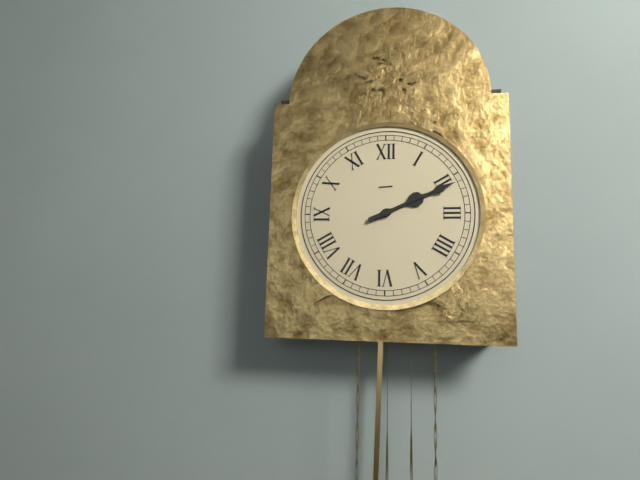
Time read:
2:11
